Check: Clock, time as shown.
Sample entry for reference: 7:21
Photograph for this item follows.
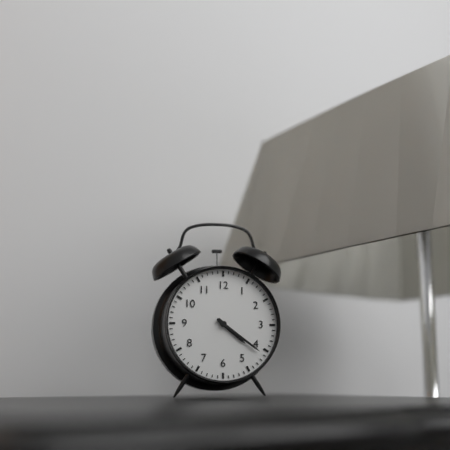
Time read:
4:21
